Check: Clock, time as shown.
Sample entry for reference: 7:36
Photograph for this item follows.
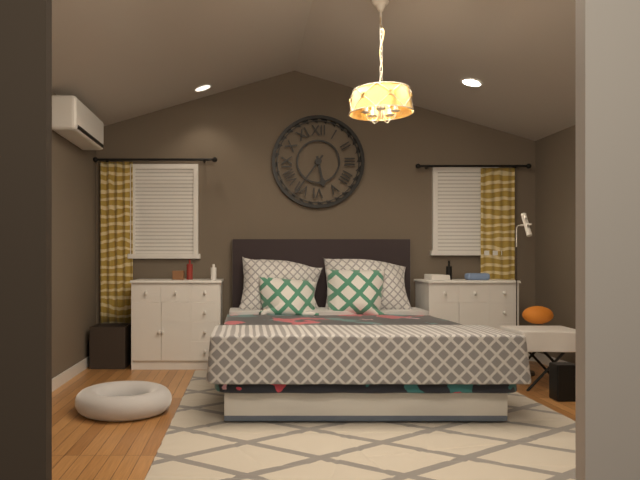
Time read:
5:36
